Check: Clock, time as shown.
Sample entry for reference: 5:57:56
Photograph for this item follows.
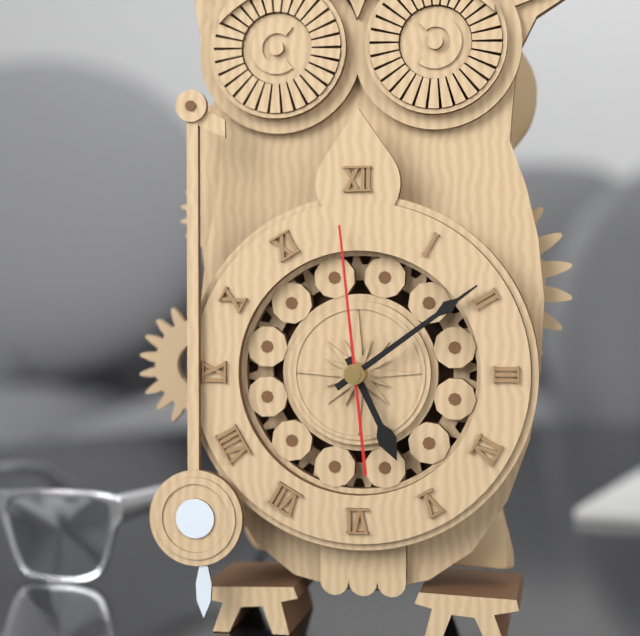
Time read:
5:09:59
